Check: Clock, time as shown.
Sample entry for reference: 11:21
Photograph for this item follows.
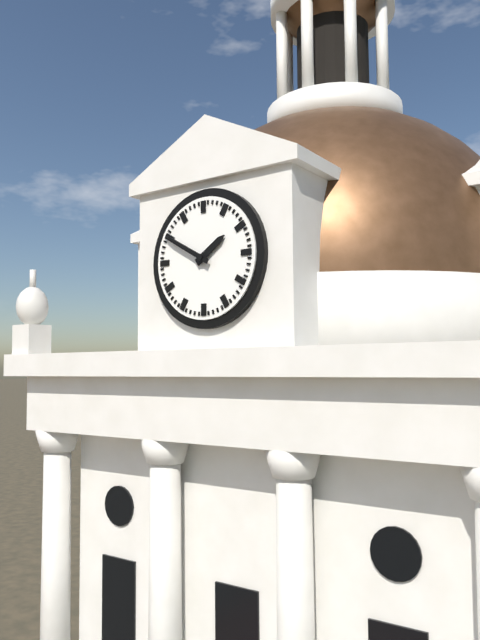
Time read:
1:50
